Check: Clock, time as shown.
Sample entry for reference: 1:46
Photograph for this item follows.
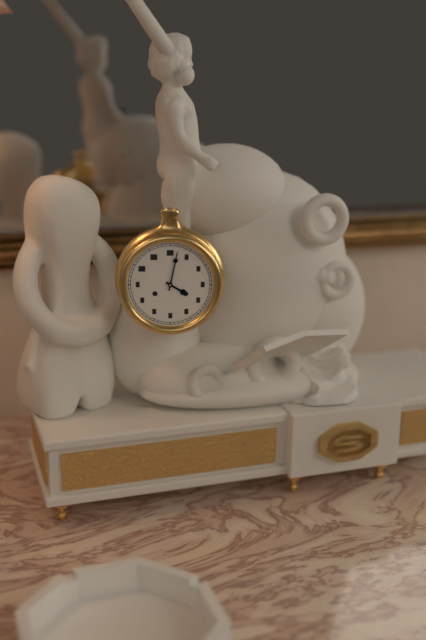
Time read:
4:02
